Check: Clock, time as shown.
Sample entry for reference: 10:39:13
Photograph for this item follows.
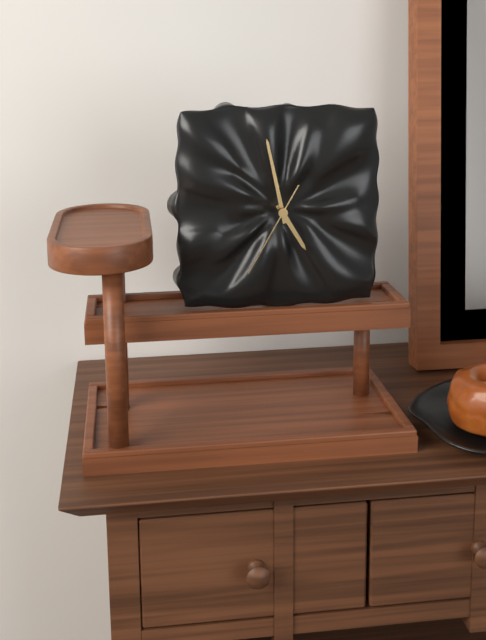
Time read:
4:58:35
